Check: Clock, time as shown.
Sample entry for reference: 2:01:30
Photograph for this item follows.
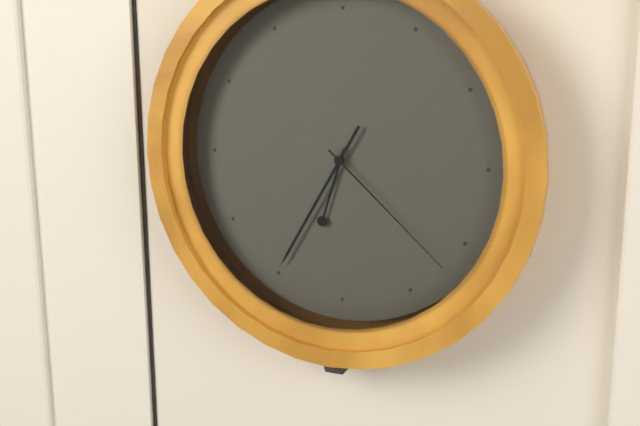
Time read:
6:35:22
